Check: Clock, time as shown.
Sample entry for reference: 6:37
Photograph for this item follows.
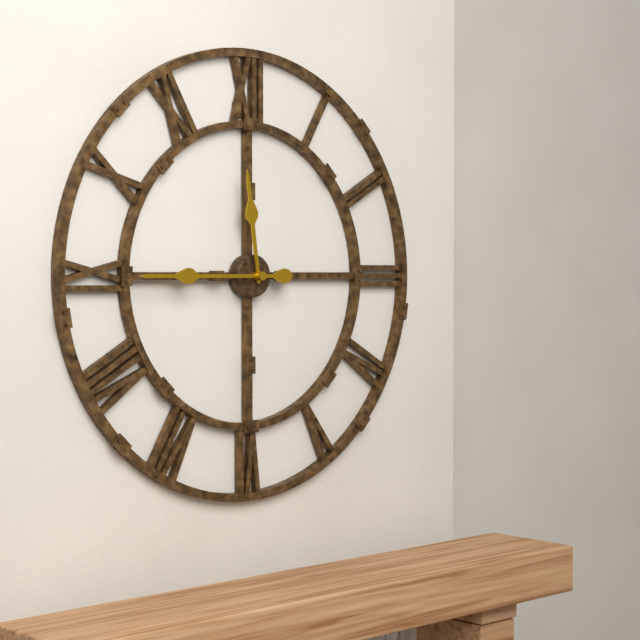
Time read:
11:45
